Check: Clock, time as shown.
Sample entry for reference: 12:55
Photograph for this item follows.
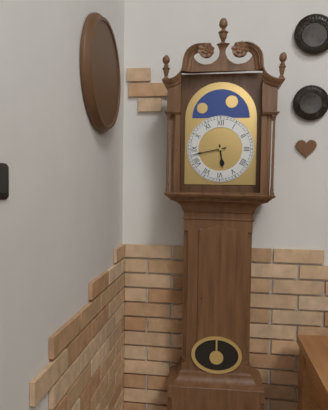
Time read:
5:43
